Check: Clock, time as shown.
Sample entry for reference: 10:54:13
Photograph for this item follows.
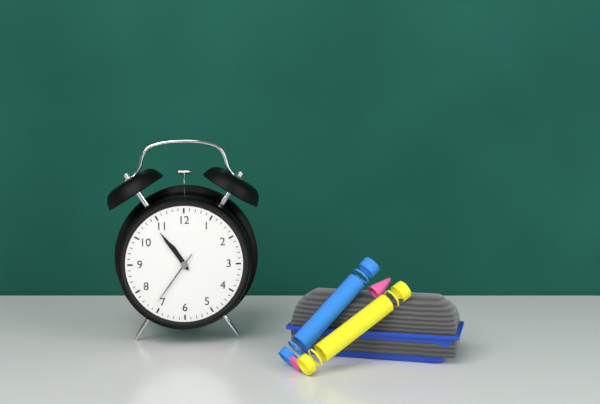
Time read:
10:54:36
